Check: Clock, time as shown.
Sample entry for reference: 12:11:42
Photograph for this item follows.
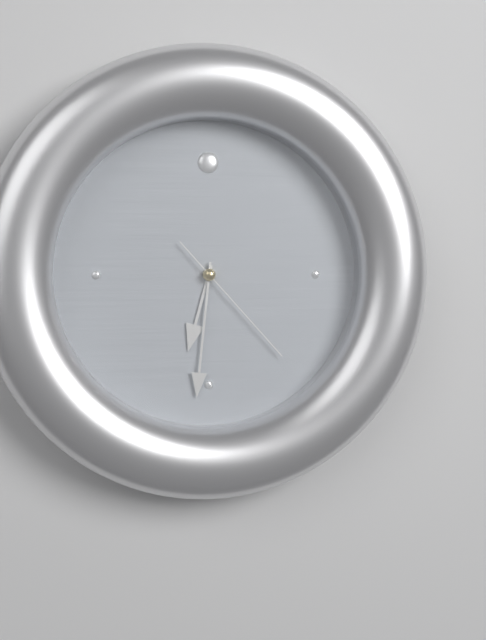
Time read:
6:31:23
